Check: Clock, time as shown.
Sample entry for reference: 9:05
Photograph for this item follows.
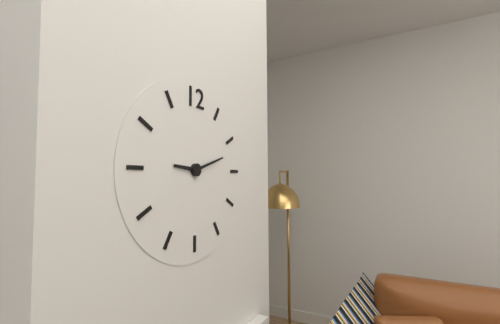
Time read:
9:12
